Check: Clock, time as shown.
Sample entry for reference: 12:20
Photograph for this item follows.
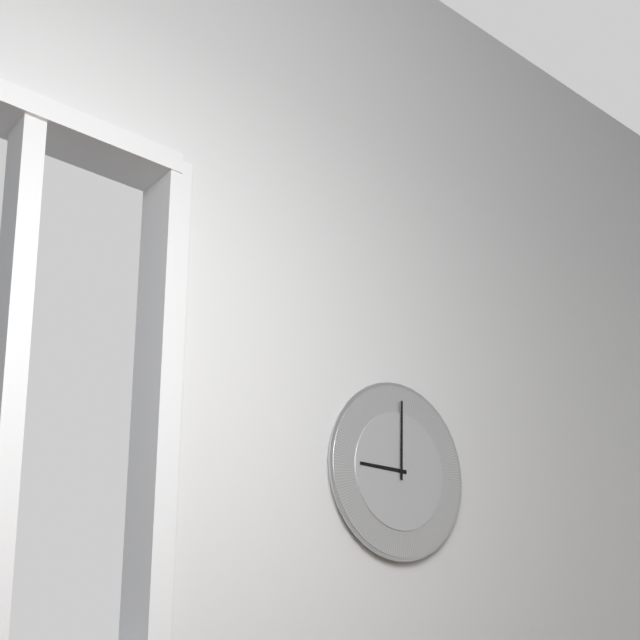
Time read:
9:00
